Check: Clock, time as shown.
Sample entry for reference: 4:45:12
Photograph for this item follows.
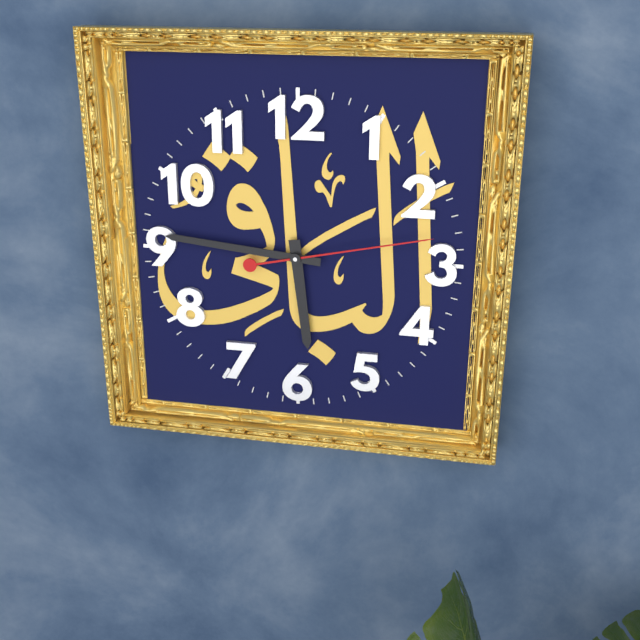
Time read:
5:46:13
